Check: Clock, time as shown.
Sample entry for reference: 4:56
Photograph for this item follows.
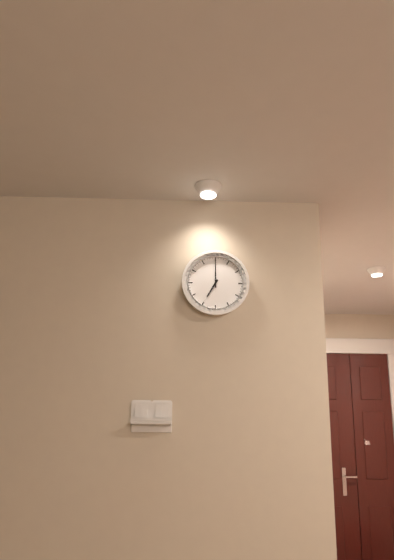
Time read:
7:00
